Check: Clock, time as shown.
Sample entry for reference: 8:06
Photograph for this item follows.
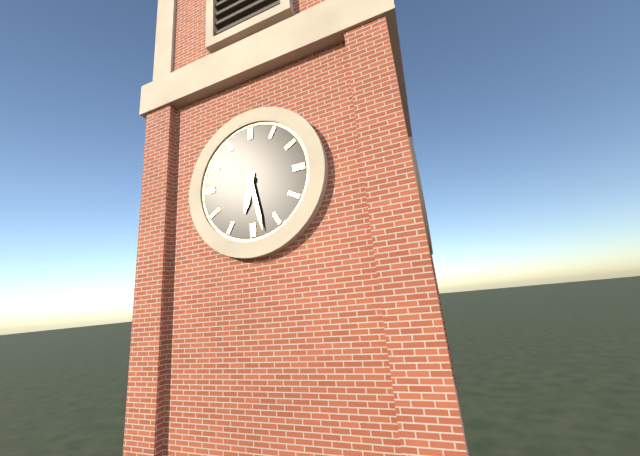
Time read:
6:28
